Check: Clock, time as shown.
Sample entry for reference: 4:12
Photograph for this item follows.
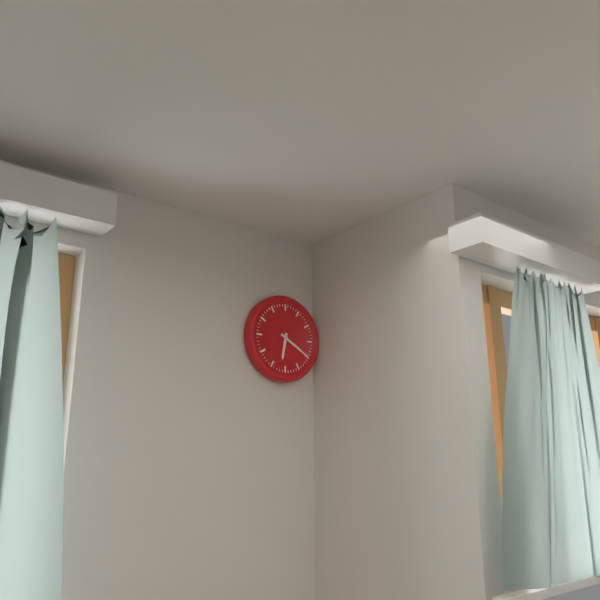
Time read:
6:20
